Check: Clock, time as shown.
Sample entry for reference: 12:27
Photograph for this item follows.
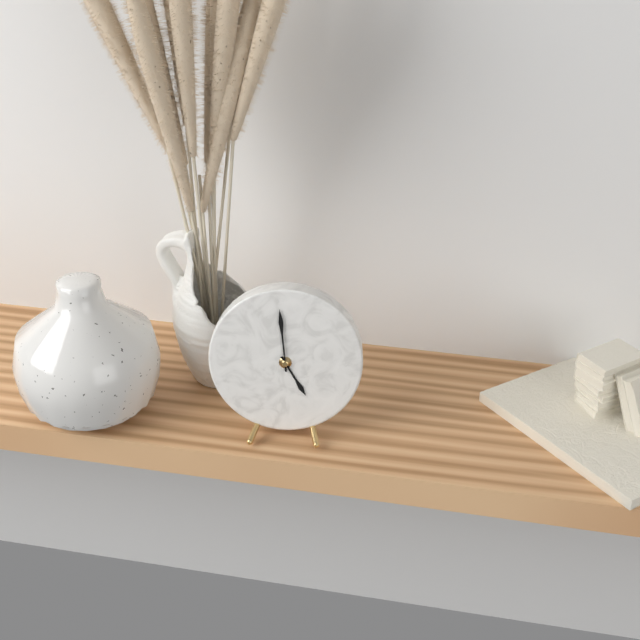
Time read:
4:59
